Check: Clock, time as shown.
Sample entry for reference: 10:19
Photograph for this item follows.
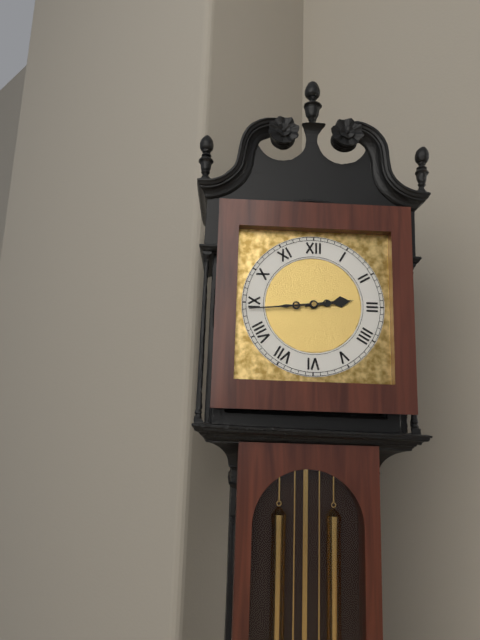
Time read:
2:44
